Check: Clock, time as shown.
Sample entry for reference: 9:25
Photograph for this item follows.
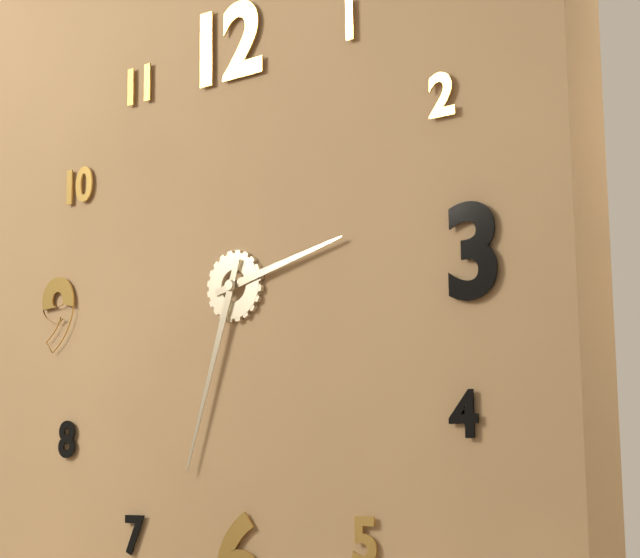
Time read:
2:33
